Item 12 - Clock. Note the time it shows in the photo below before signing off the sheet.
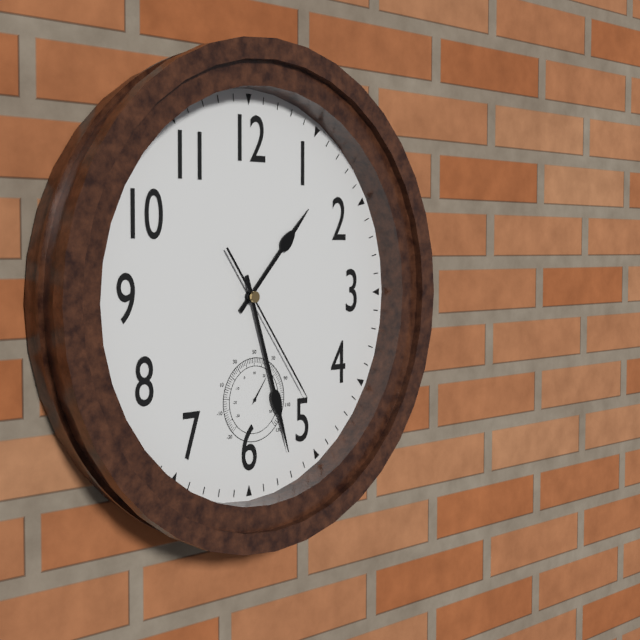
1:27:24
